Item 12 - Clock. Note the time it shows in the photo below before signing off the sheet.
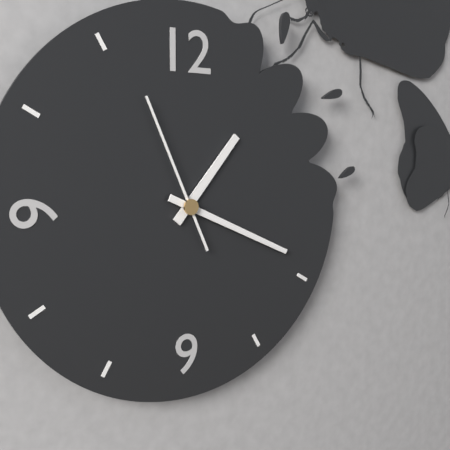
1:19:56
